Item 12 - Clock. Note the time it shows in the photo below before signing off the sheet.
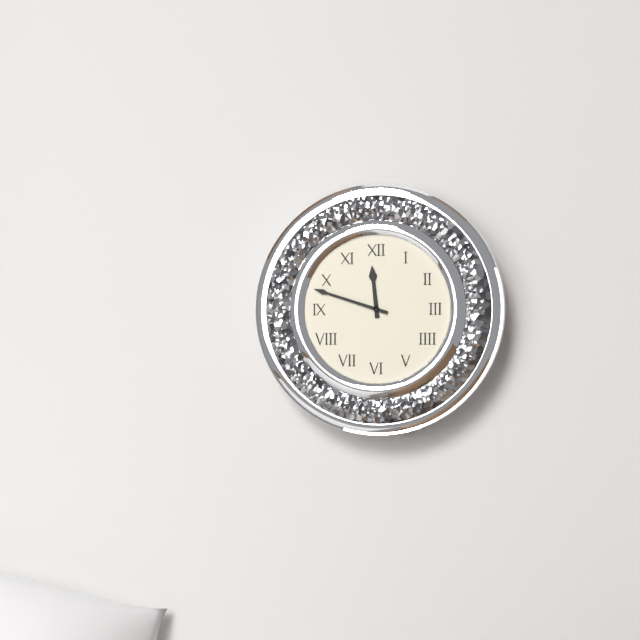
11:48
